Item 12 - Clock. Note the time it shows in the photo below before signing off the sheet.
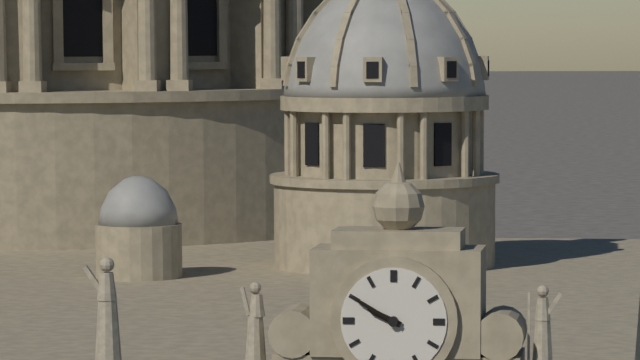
9:50
